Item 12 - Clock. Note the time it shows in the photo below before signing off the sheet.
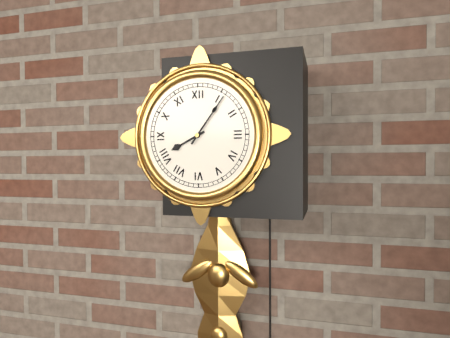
8:06
